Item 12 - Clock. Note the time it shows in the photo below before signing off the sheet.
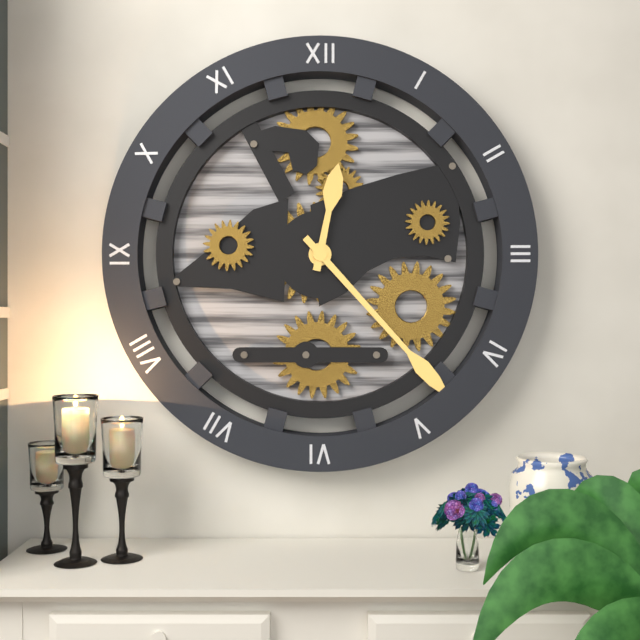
12:23
